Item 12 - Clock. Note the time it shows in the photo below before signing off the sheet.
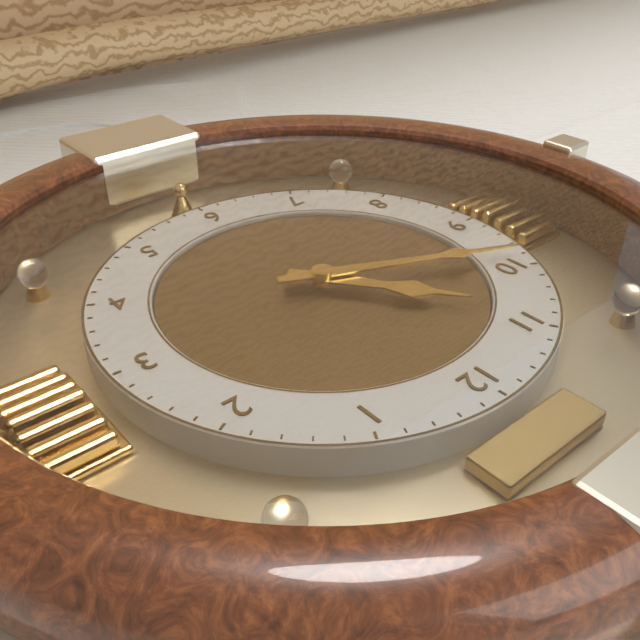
10:49
